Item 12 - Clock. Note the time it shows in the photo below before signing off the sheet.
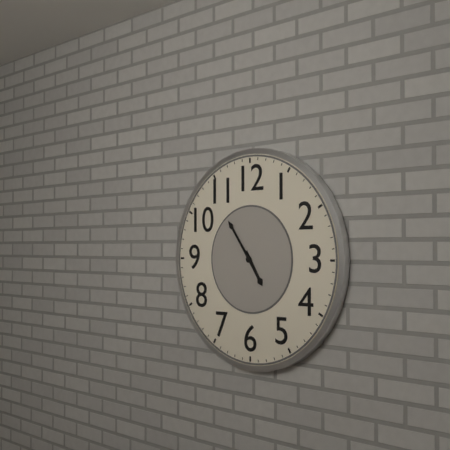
4:54
